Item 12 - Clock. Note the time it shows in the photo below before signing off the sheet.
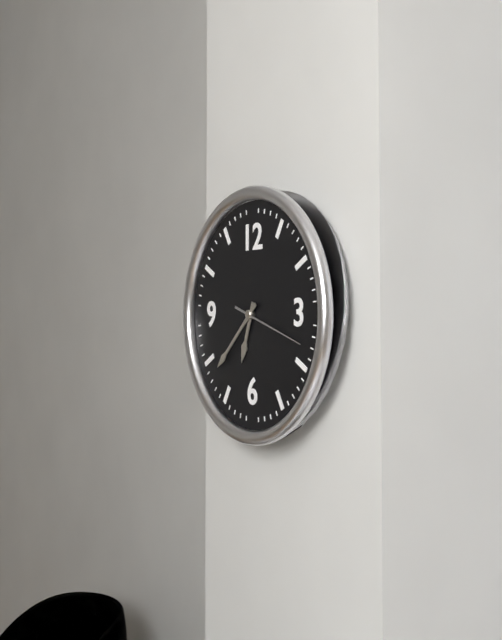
6:38
